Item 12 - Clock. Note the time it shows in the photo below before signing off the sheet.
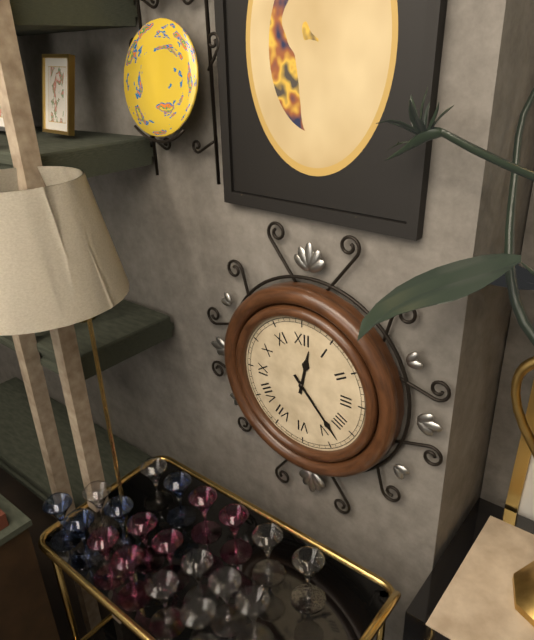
12:23
